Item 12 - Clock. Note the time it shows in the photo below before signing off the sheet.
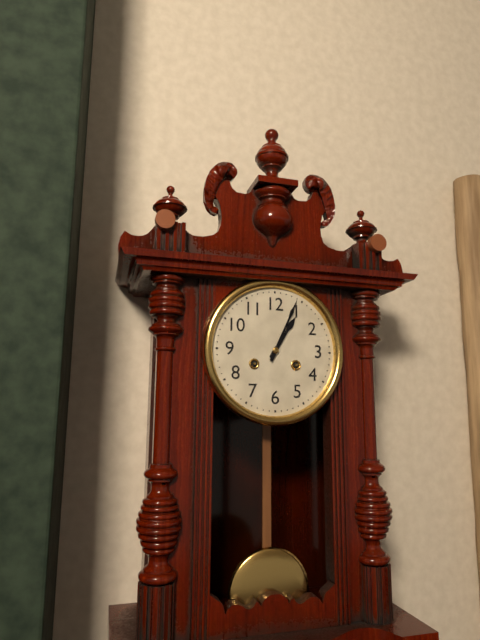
1:04
